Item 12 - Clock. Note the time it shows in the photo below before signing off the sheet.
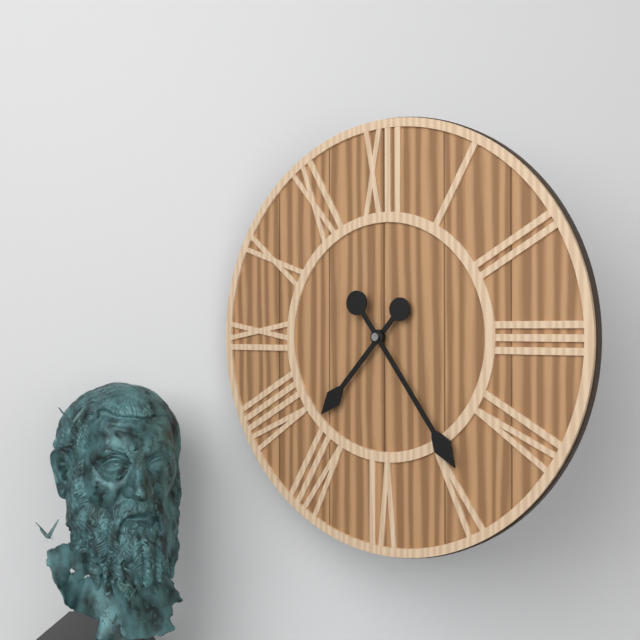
7:24
